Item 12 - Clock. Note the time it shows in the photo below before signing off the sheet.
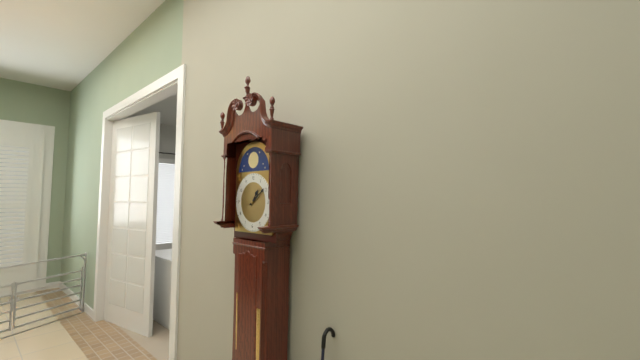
1:09
